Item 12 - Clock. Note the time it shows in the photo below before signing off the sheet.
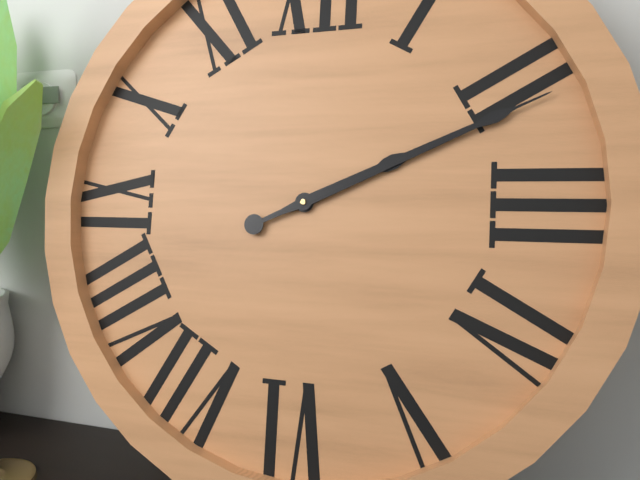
2:11
